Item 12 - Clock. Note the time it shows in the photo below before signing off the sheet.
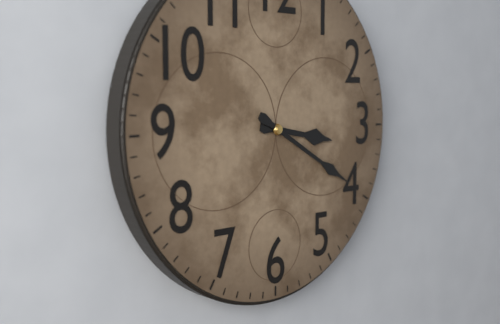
3:20
